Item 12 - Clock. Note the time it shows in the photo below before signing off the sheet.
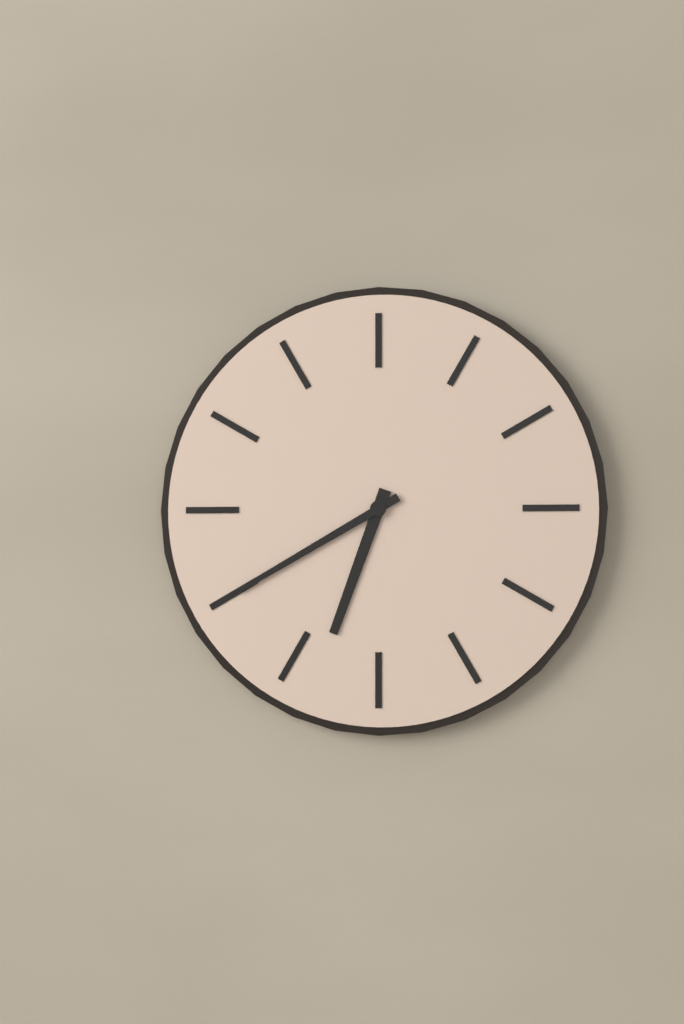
6:40
